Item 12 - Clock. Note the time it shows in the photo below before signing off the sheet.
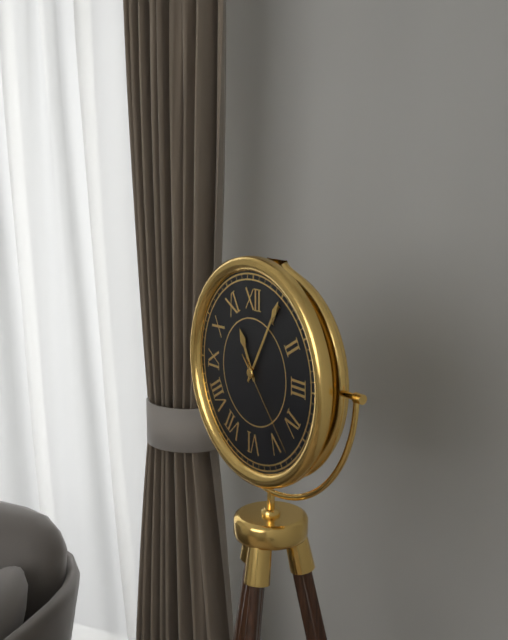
11:05:23
